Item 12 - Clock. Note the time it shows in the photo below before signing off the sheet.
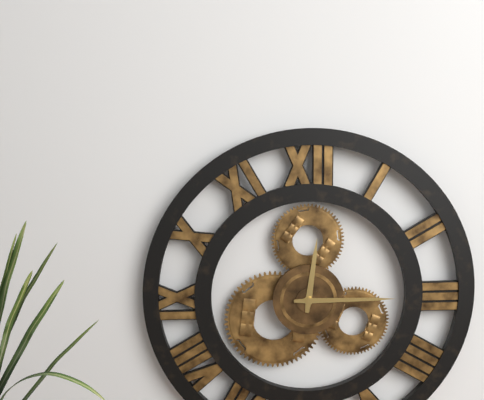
12:15
